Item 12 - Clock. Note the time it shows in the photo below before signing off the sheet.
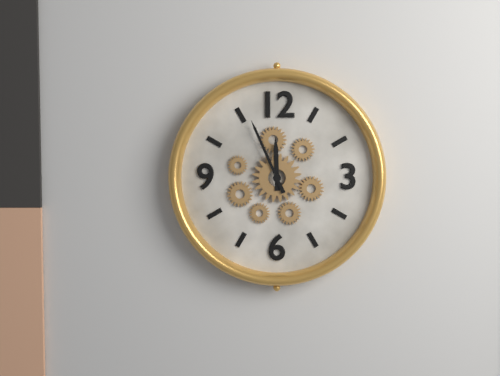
11:56
